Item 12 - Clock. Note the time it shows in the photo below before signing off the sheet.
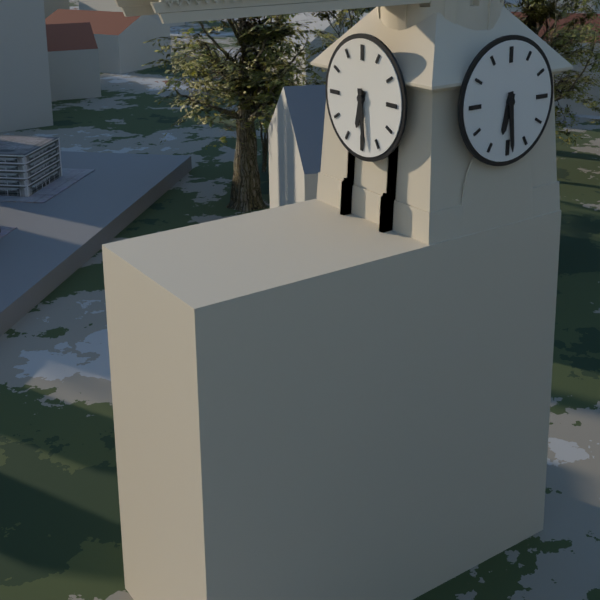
6:29
